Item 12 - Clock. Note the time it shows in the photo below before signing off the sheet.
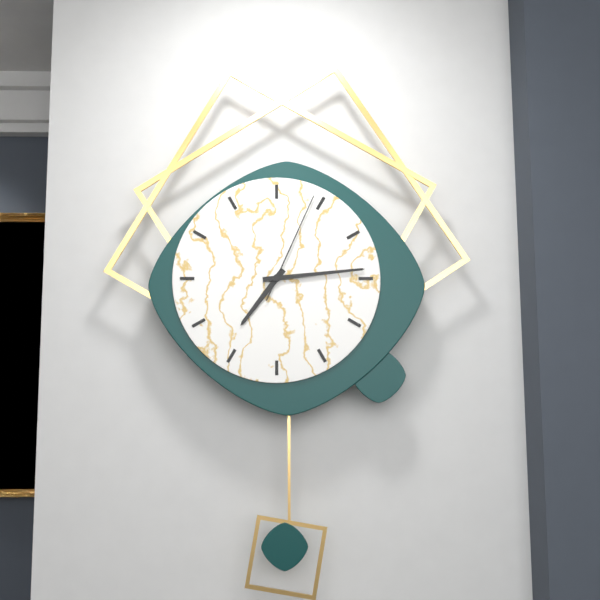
7:14:04
